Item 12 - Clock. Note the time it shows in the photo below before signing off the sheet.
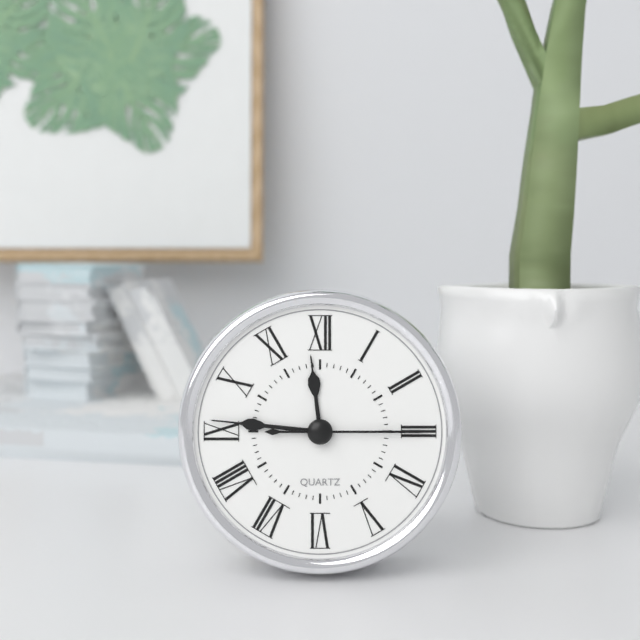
11:46:15
